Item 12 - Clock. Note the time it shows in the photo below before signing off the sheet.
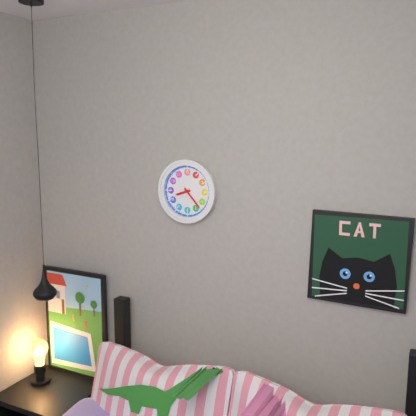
8:23
